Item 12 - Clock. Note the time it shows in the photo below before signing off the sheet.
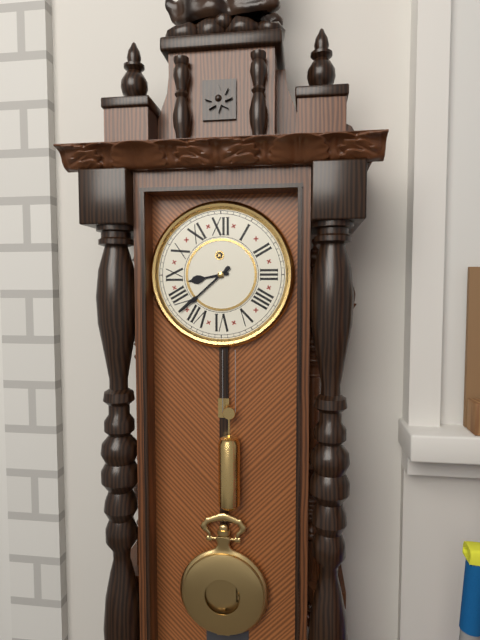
8:38
